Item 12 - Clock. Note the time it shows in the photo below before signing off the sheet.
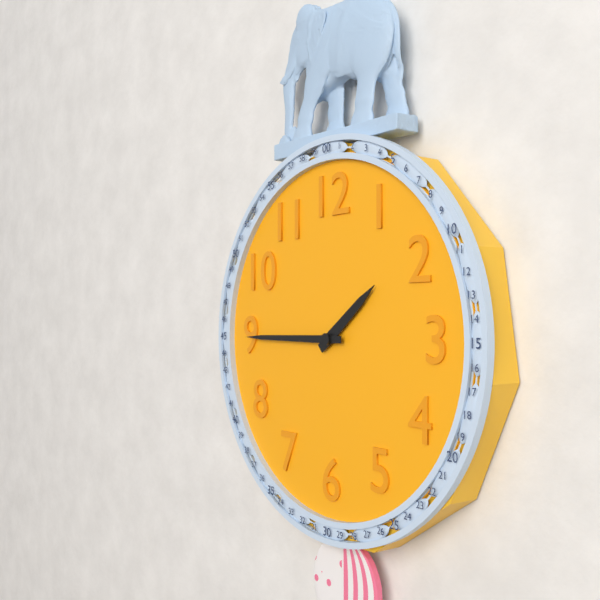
1:45
